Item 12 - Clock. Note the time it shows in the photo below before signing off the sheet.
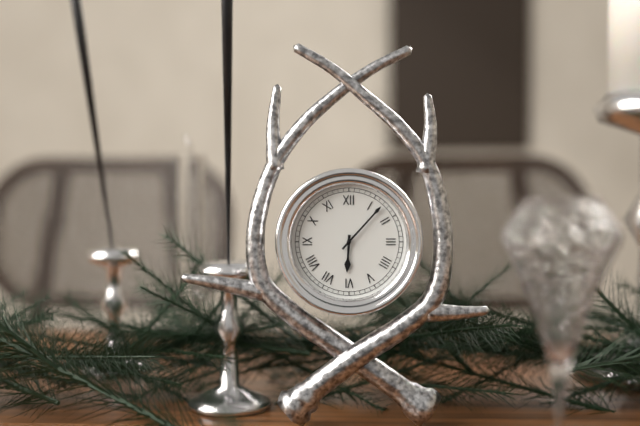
6:07
